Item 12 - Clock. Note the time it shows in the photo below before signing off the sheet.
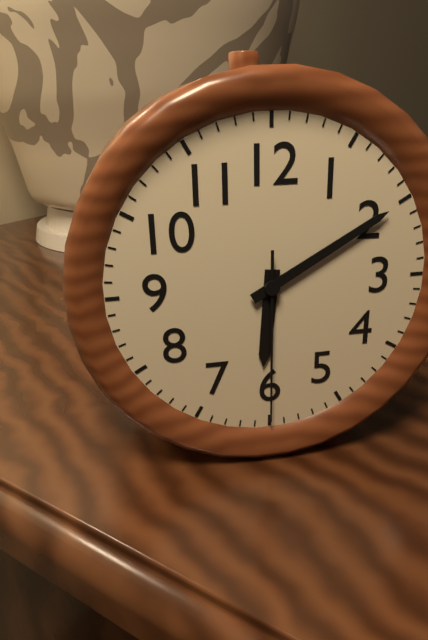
6:10:30
